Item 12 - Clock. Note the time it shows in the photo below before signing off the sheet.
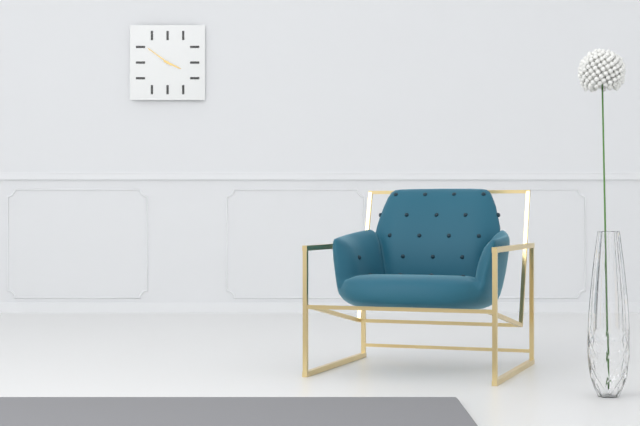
3:51
